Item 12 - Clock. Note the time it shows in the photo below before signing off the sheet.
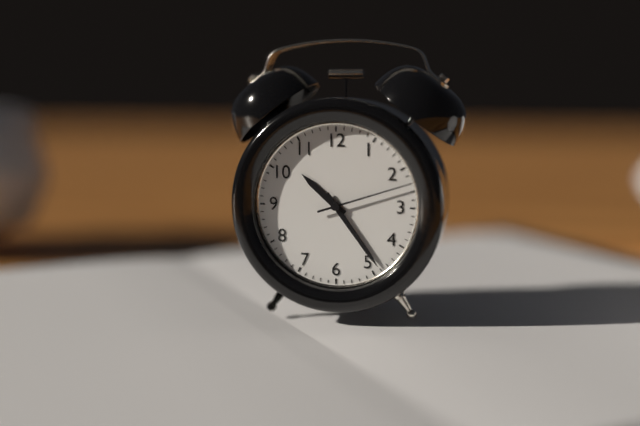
10:24:12
